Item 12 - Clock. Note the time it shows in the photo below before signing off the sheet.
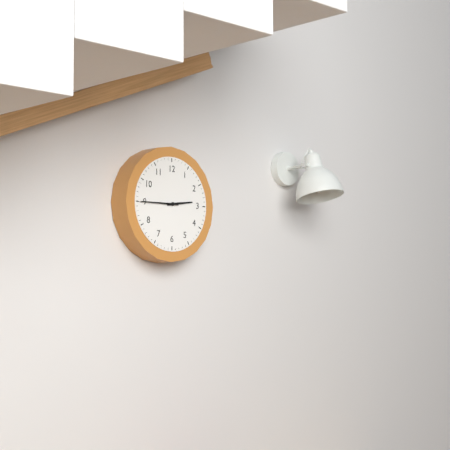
2:45
